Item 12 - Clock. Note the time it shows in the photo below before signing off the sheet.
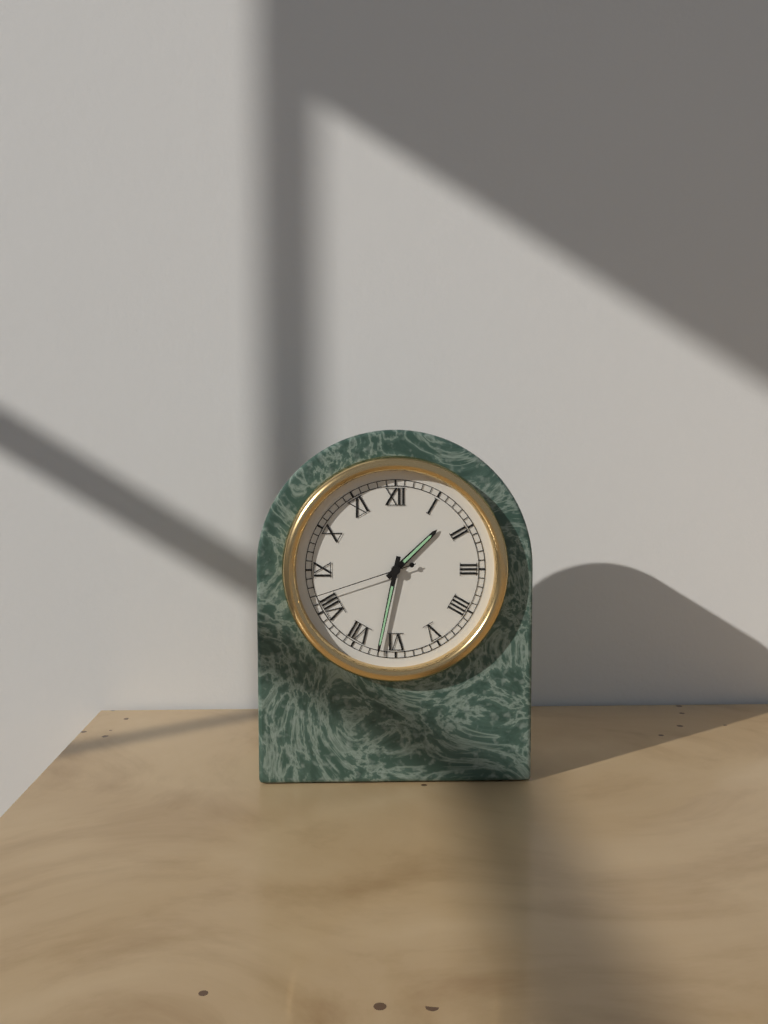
1:32:42
